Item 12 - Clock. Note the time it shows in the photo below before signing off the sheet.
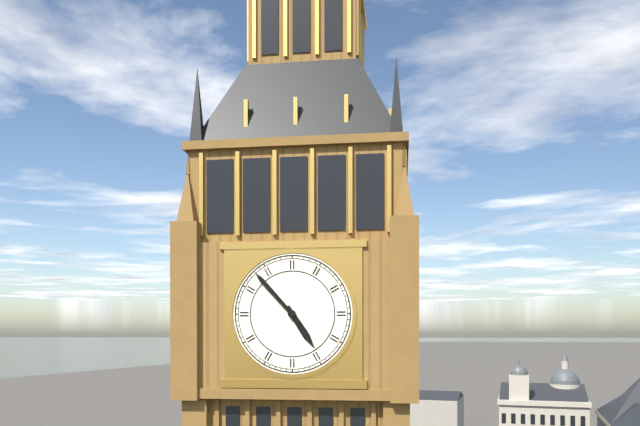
4:53
